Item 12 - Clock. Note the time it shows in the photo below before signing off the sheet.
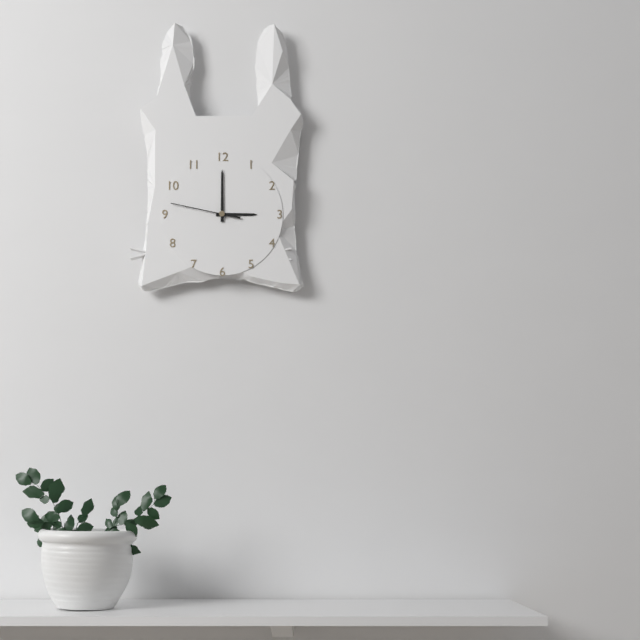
3:00:47
